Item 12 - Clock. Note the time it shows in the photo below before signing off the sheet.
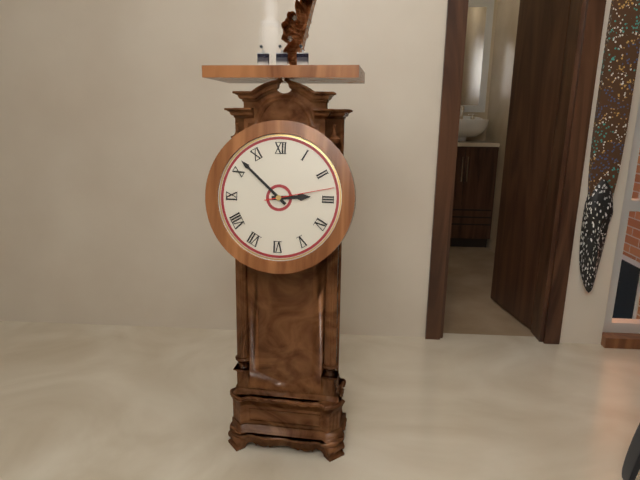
2:52:13
